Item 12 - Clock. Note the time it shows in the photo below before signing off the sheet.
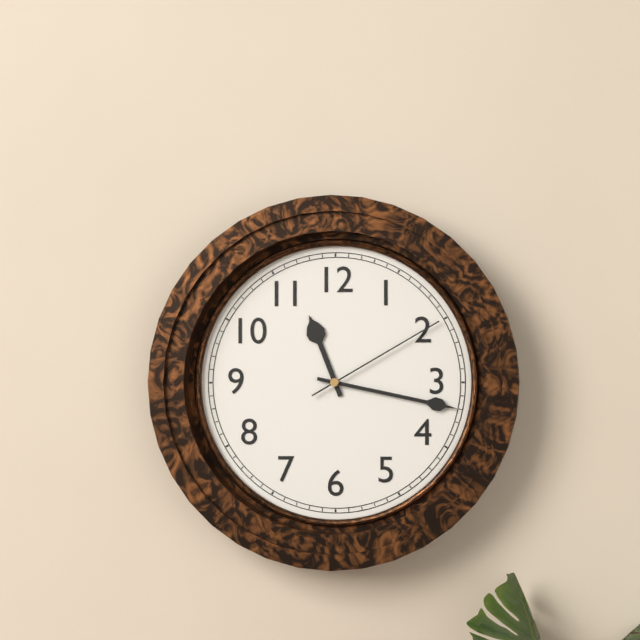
11:17:10
